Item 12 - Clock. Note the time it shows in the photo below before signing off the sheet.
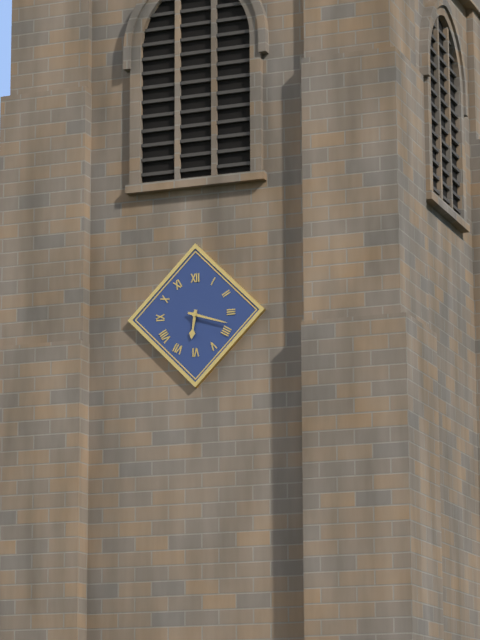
6:18
